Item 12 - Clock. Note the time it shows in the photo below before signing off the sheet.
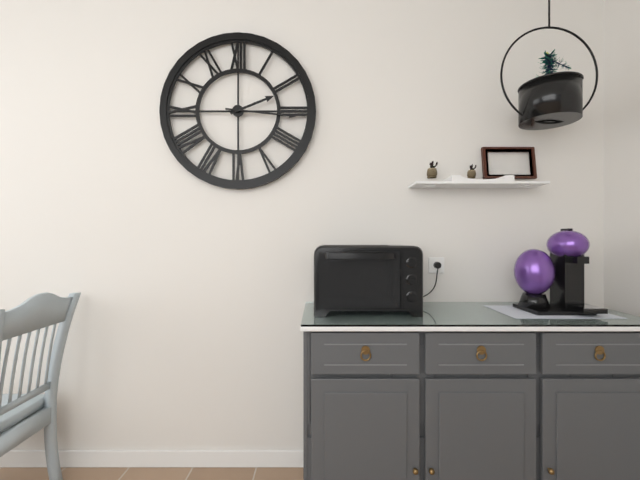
2:16
